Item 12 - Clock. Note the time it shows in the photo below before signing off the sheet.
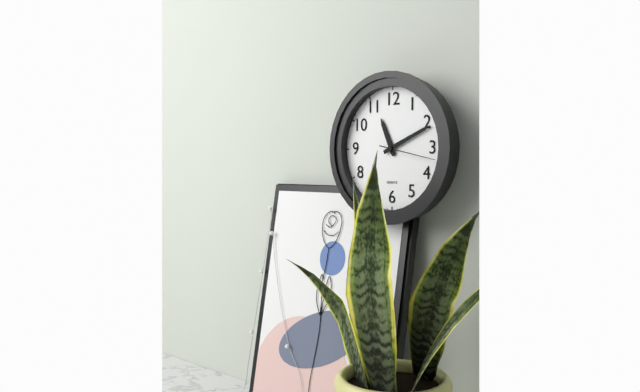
11:11:17
